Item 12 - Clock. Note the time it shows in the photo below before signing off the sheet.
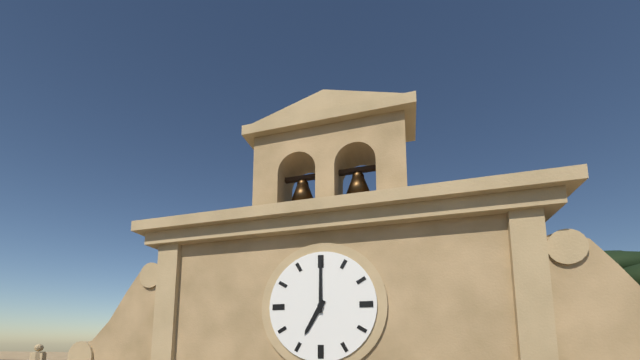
7:00
